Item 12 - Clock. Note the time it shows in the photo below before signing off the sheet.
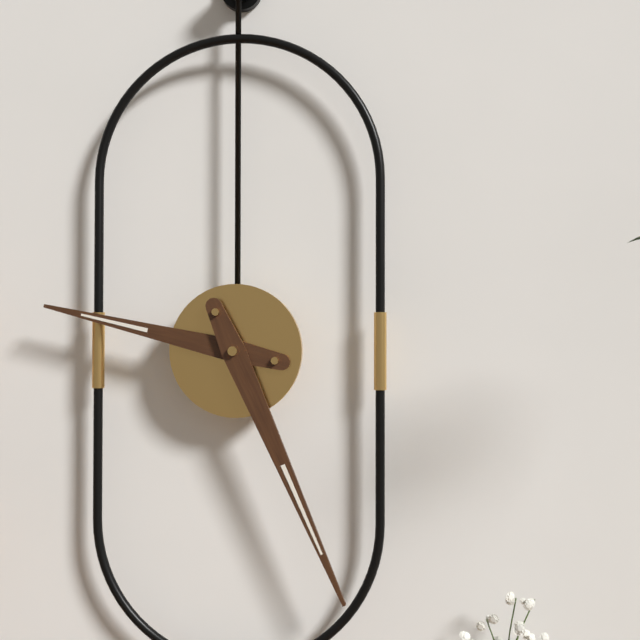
9:26
